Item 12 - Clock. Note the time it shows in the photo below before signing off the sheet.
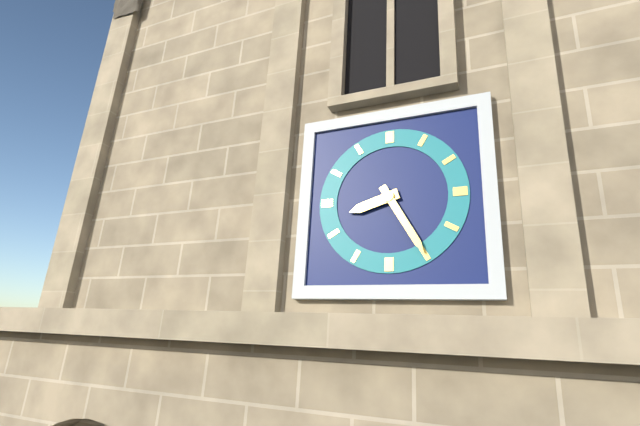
8:25
